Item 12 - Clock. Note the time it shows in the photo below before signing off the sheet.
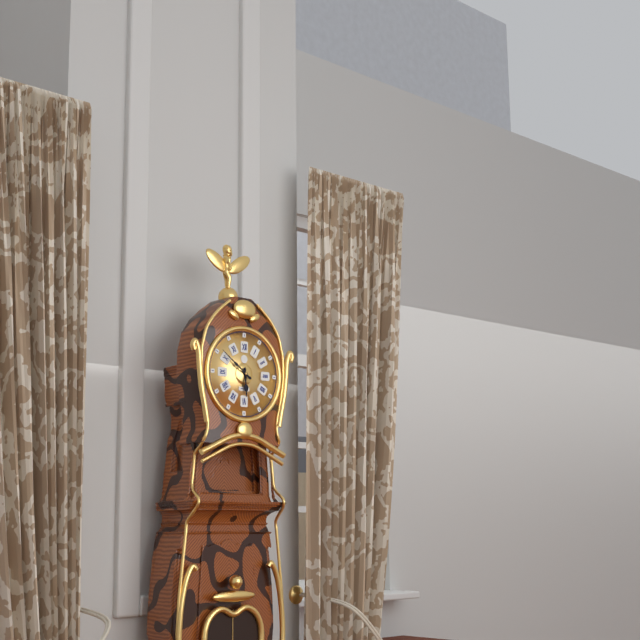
5:51
